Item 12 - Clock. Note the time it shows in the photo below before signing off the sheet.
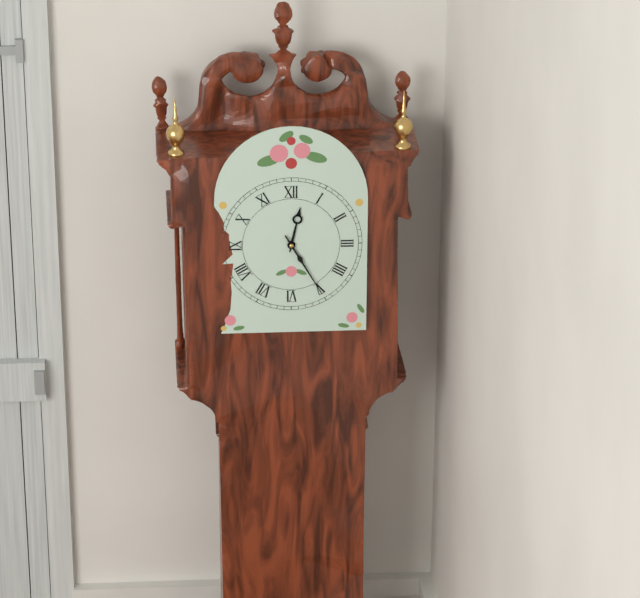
12:25
